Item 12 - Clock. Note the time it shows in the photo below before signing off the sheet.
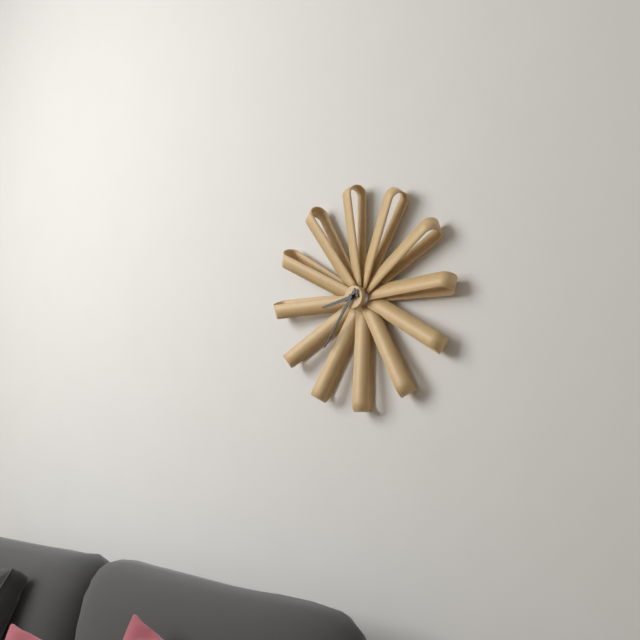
8:36
